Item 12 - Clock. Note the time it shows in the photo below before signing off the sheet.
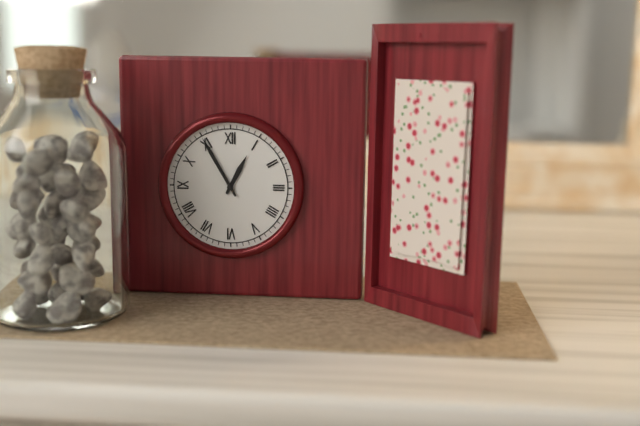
12:55
